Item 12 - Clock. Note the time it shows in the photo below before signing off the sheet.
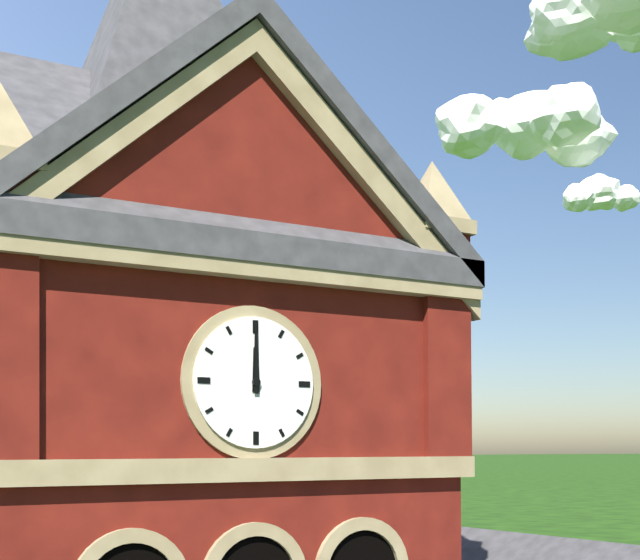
12:00
